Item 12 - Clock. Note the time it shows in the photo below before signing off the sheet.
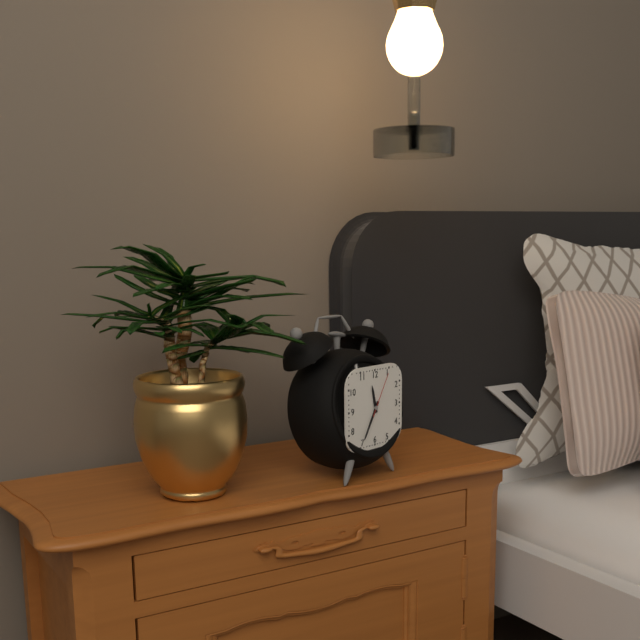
11:35
